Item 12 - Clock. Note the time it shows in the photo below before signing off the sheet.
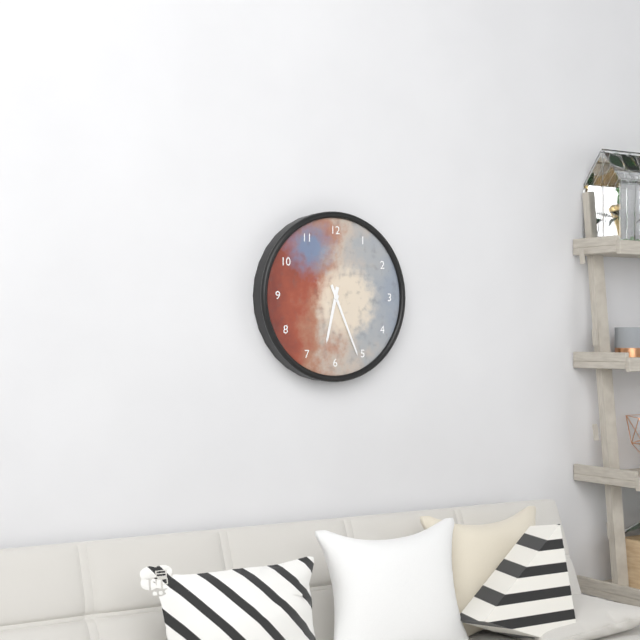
6:26
